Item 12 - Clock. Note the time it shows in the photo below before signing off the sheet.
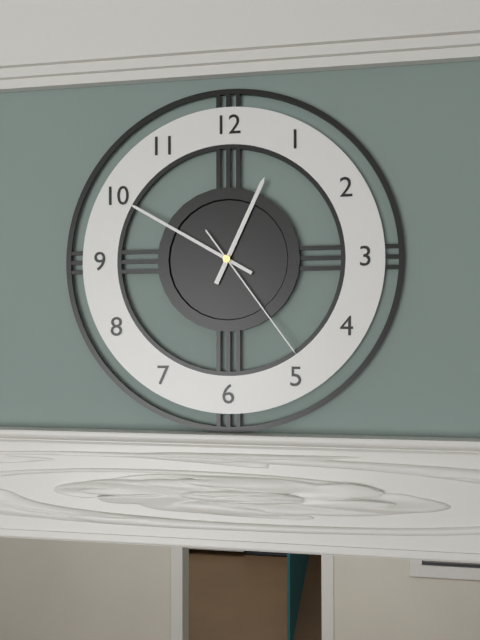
12:50:24
